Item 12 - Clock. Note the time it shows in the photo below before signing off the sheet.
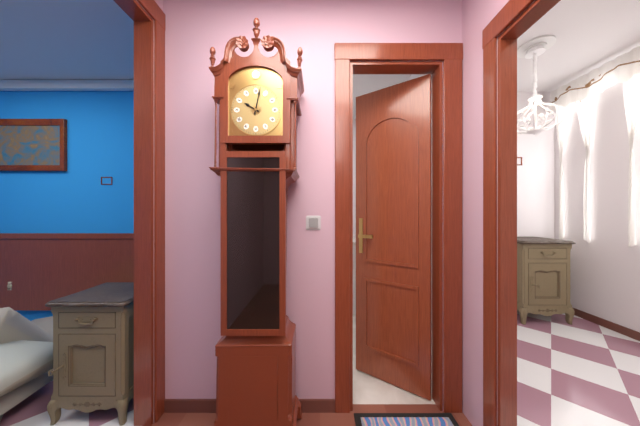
10:02
